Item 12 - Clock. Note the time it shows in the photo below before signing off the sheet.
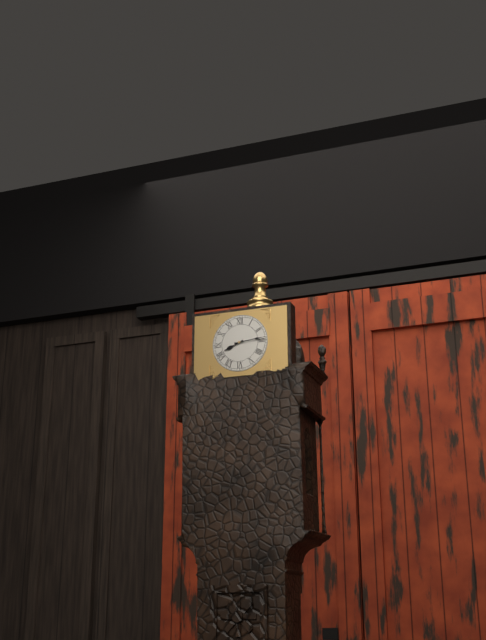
8:14
